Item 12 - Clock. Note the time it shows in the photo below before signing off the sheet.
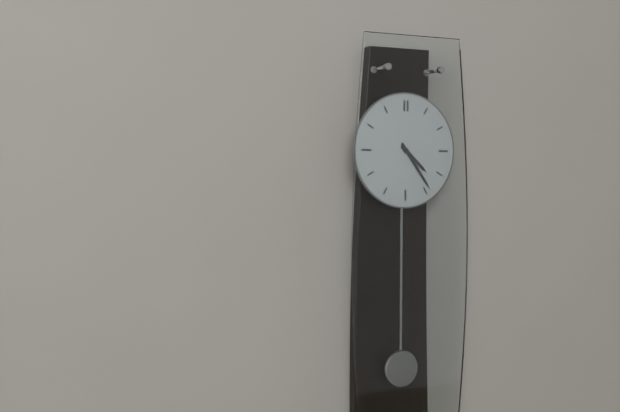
4:24
